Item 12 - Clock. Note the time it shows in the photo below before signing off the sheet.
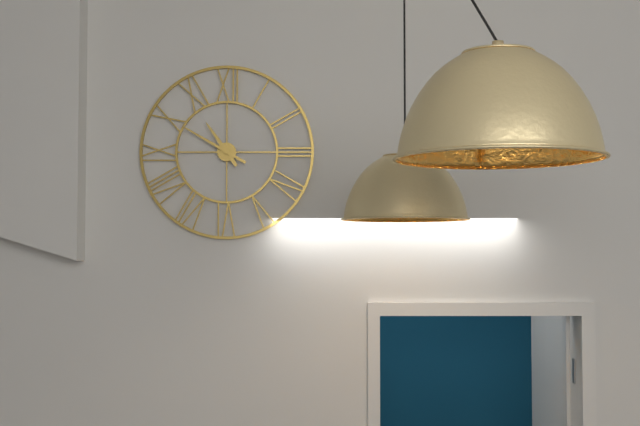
10:50
